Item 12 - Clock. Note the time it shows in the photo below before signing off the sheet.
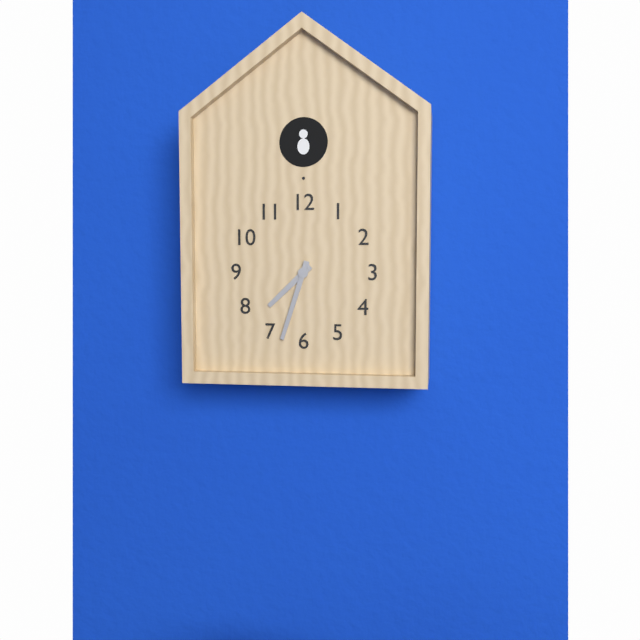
7:33
